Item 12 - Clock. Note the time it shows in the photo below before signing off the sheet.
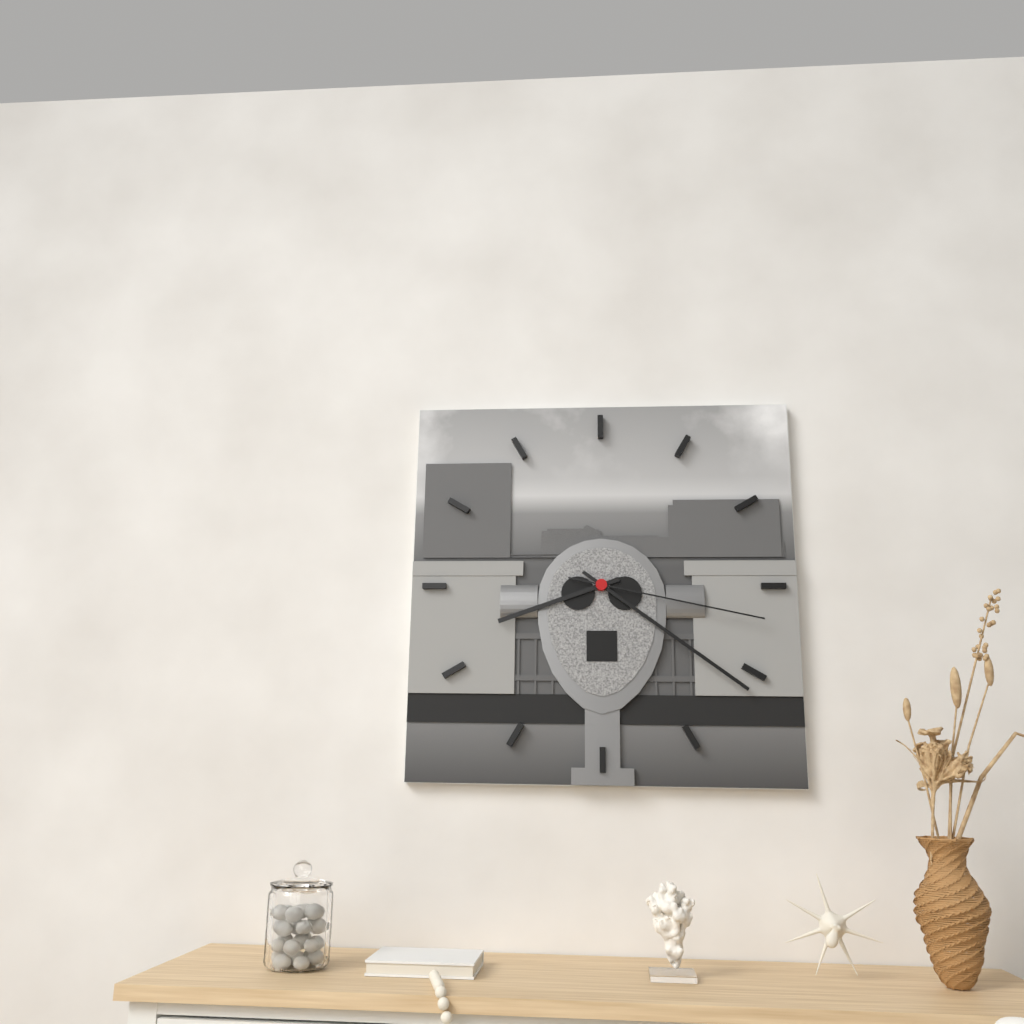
8:21:17
